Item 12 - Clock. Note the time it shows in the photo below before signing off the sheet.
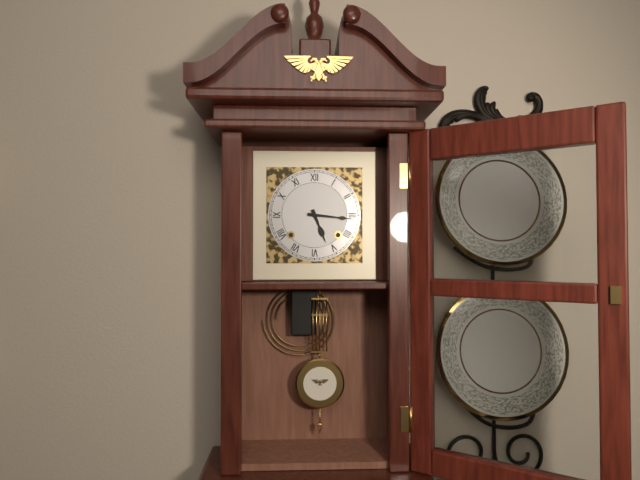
5:16
